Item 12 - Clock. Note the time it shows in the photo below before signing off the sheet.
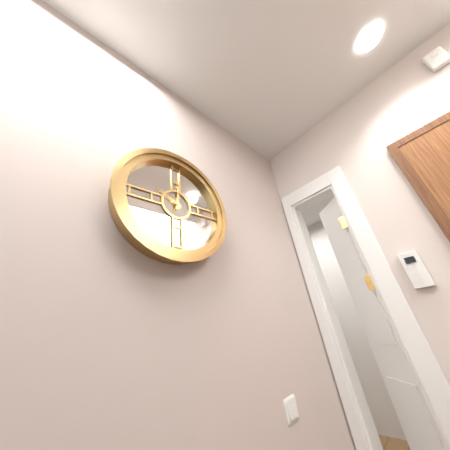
10:01
